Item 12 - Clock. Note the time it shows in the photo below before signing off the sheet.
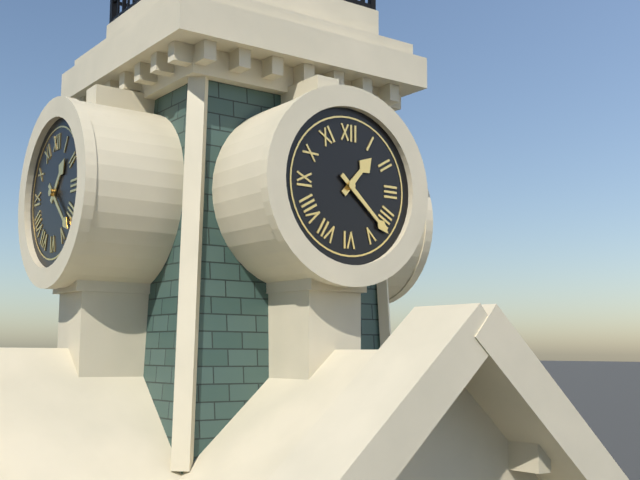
1:22
